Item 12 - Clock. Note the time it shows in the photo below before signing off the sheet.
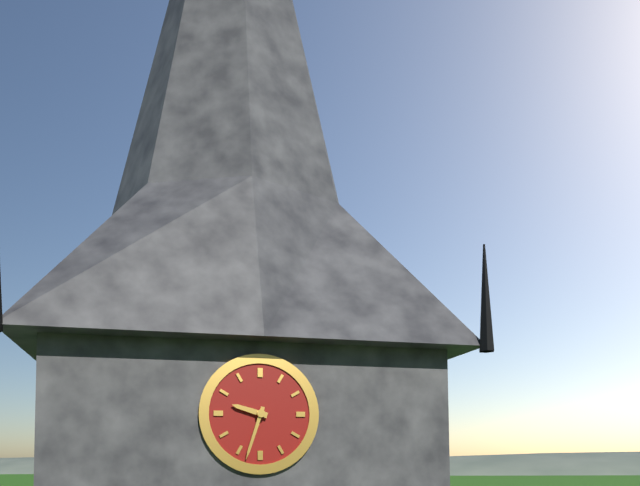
9:33
